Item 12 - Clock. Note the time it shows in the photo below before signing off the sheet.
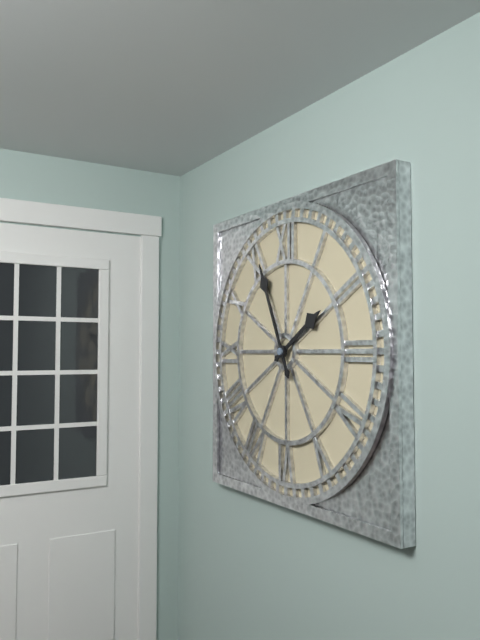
1:56
